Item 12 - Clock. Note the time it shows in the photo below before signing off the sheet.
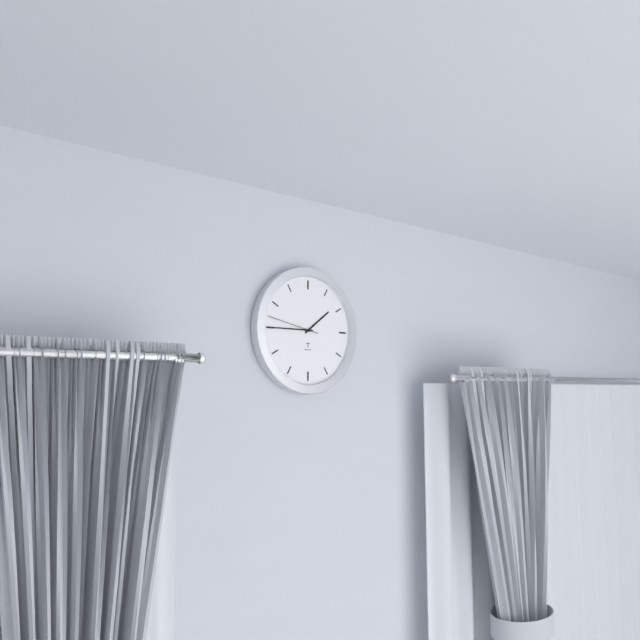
1:45:47
